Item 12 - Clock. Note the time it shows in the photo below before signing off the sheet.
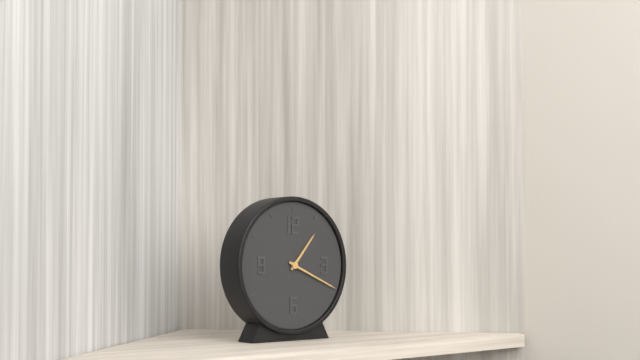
1:19
